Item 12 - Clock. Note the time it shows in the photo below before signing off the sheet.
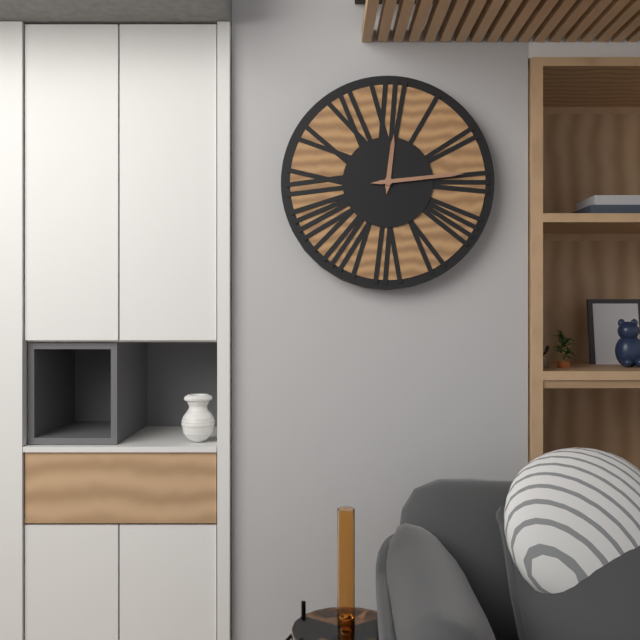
12:14
